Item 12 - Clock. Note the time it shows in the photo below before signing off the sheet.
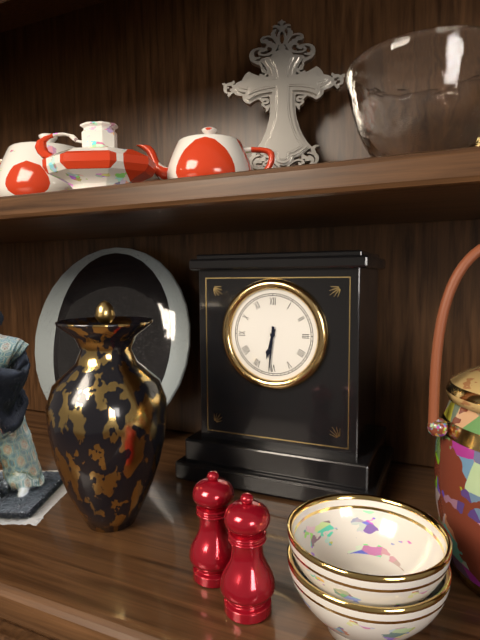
6:31
